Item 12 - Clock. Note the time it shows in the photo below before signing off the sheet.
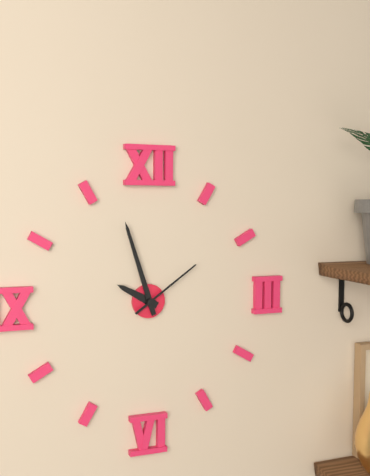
9:57:09
